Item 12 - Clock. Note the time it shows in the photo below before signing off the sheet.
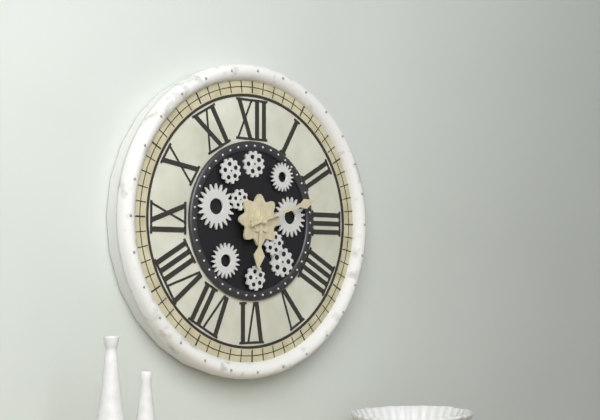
6:12
